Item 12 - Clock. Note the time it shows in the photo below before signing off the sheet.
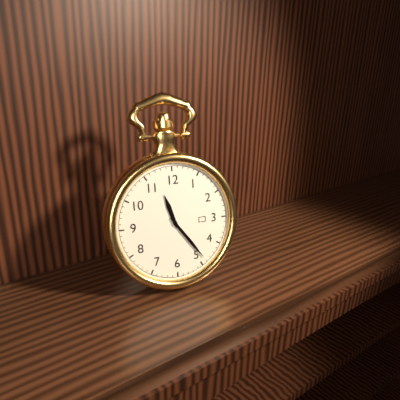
11:24
